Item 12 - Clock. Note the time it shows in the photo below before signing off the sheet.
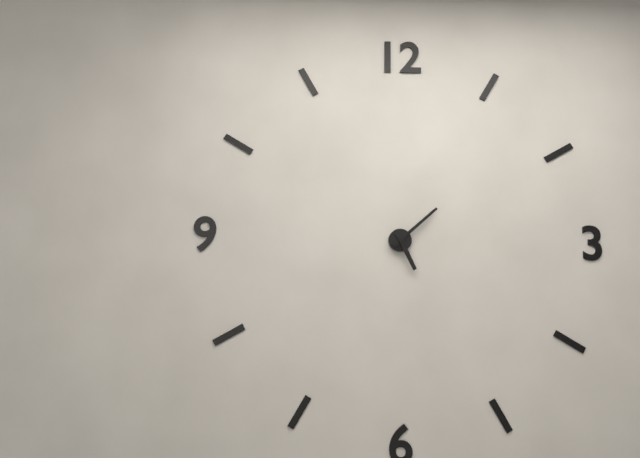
5:08
